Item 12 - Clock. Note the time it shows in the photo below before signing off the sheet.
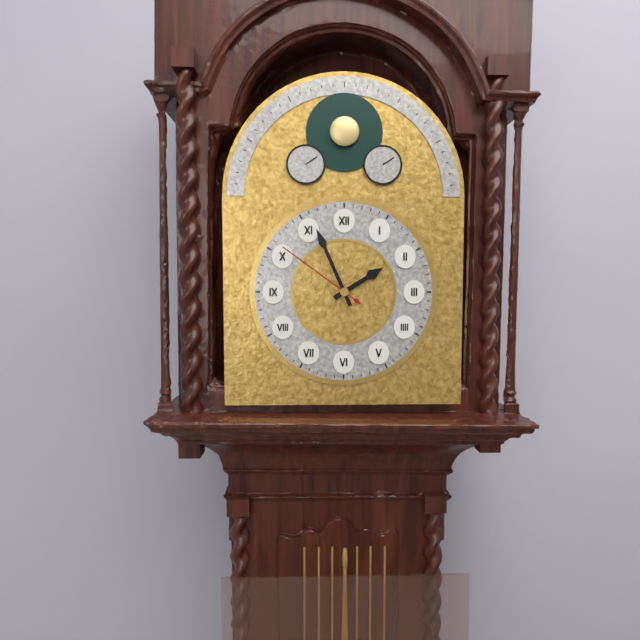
1:56:51
